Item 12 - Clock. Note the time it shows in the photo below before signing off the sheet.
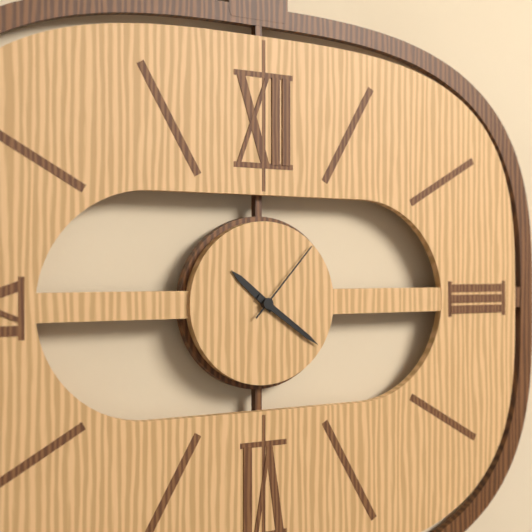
10:21:07
